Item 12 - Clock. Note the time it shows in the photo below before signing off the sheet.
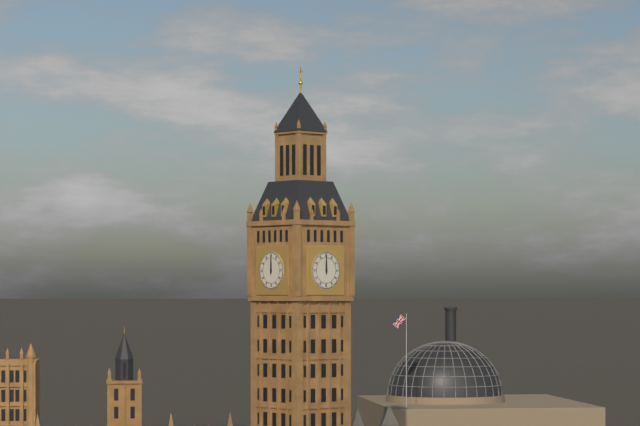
12:00
